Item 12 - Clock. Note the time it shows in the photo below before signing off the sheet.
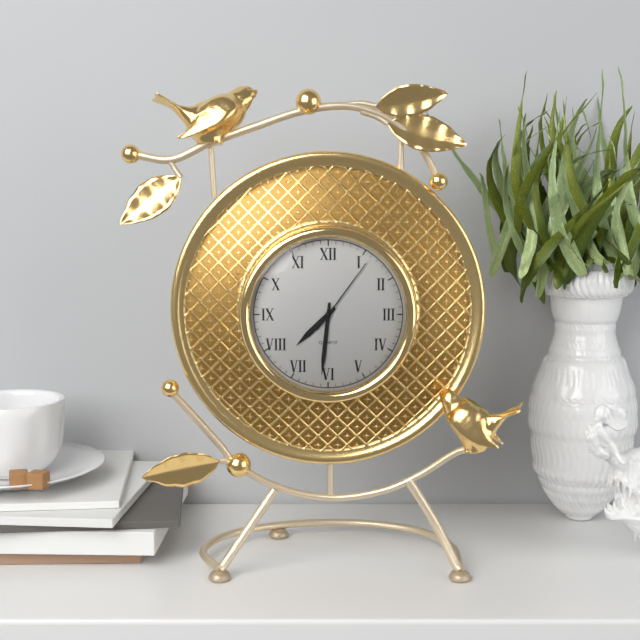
7:31:06
